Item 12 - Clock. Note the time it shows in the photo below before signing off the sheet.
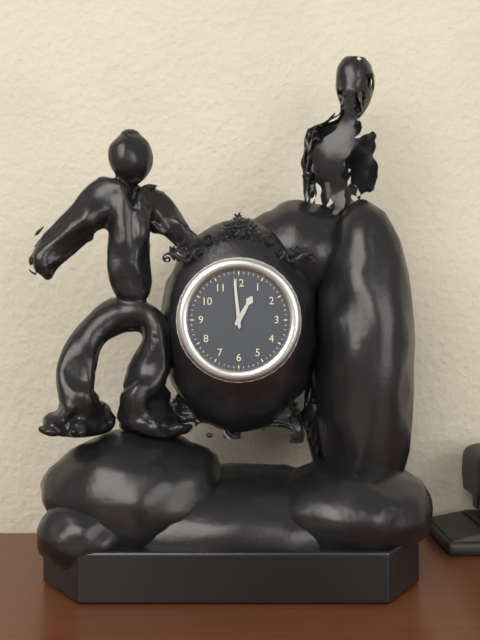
12:59
